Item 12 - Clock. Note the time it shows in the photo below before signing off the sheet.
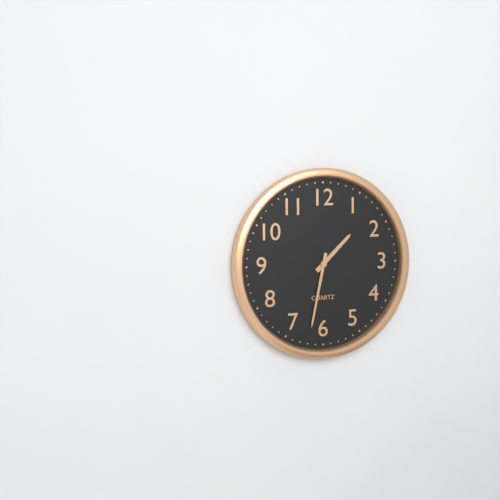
1:32
